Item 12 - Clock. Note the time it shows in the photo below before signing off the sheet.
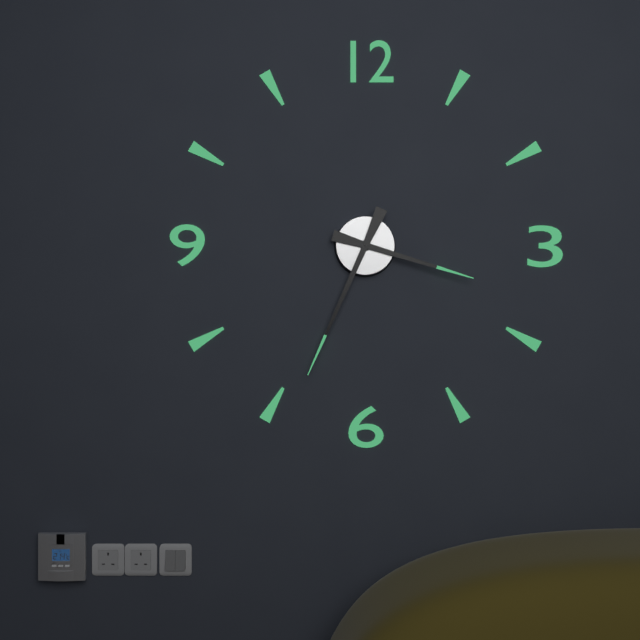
3:34
